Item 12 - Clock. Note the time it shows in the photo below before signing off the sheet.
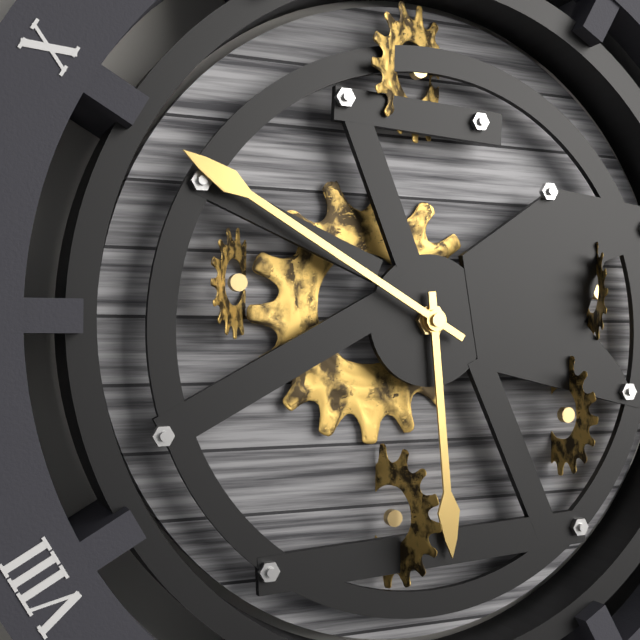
5:50
